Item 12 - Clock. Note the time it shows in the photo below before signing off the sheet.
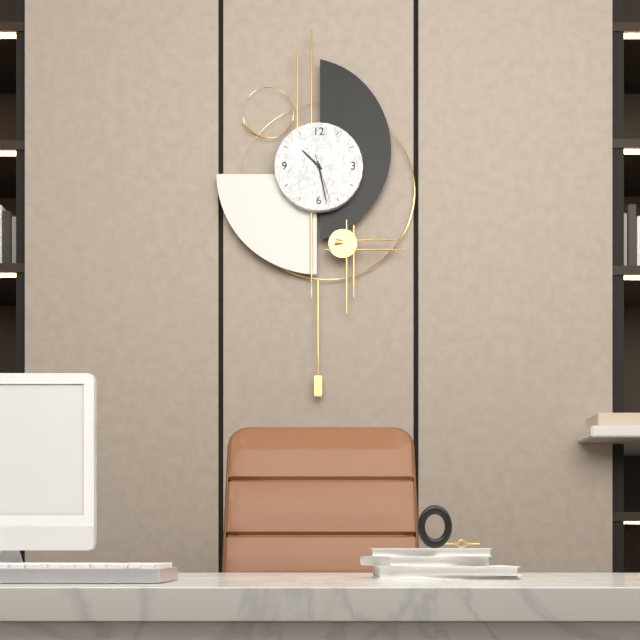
10:28
